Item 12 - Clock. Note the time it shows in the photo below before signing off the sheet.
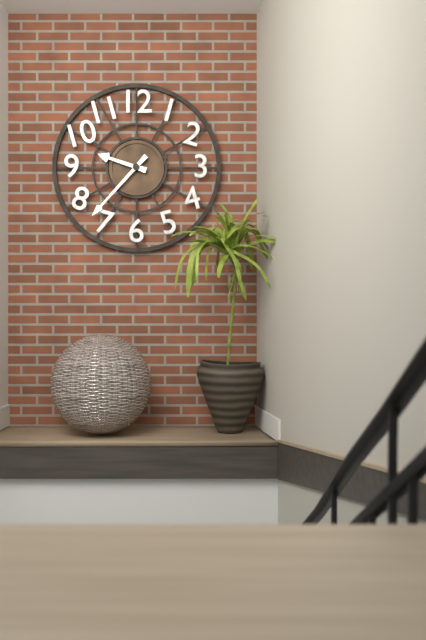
9:37
